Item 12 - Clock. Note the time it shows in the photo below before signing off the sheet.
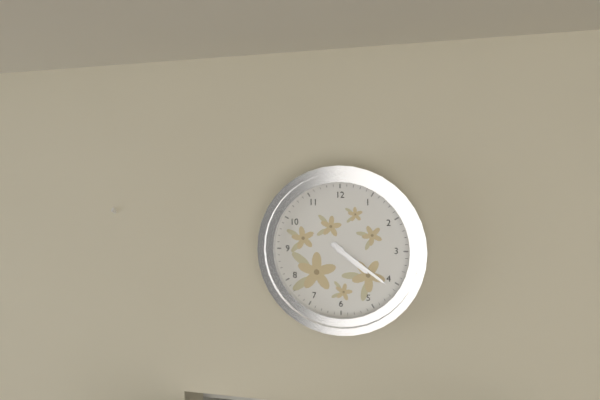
4:21
